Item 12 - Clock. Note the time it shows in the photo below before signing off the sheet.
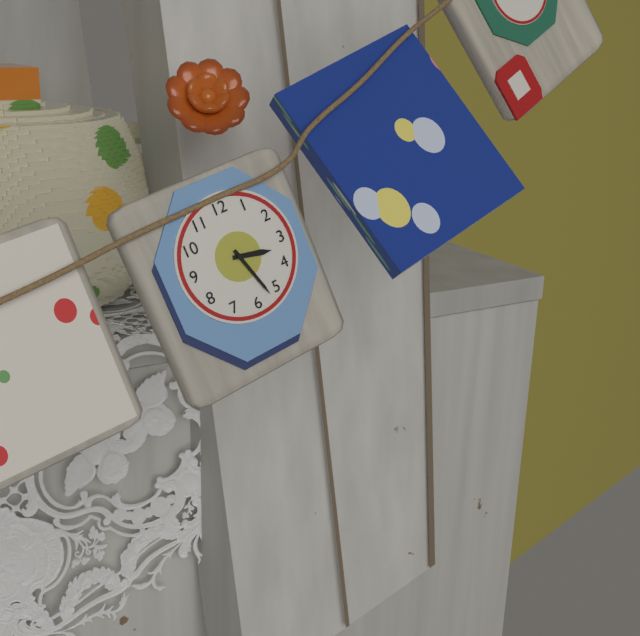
3:27
